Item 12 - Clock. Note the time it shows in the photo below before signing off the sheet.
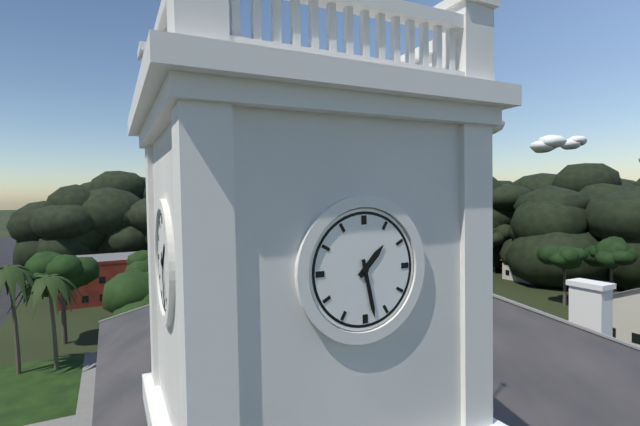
1:28
